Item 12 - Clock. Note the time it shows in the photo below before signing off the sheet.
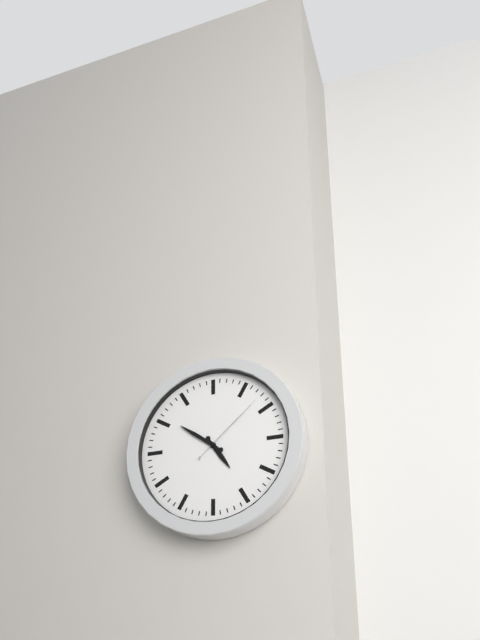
4:51:08
